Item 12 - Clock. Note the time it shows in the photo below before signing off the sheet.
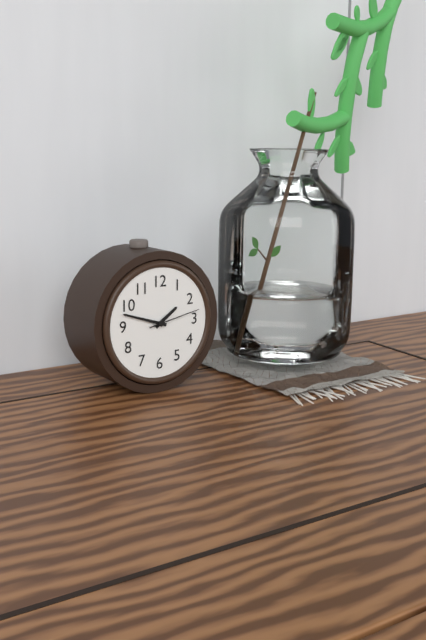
1:48:13
